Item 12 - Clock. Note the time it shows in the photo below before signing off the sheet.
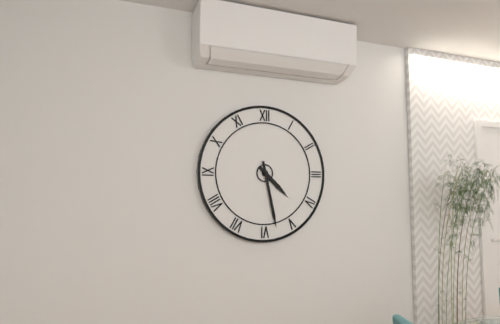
4:28
